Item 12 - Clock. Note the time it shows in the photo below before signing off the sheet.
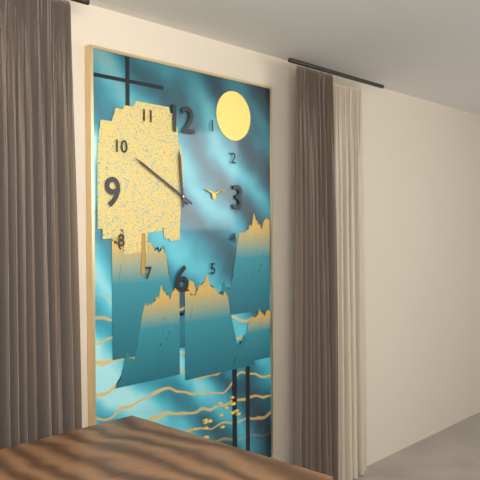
11:50
